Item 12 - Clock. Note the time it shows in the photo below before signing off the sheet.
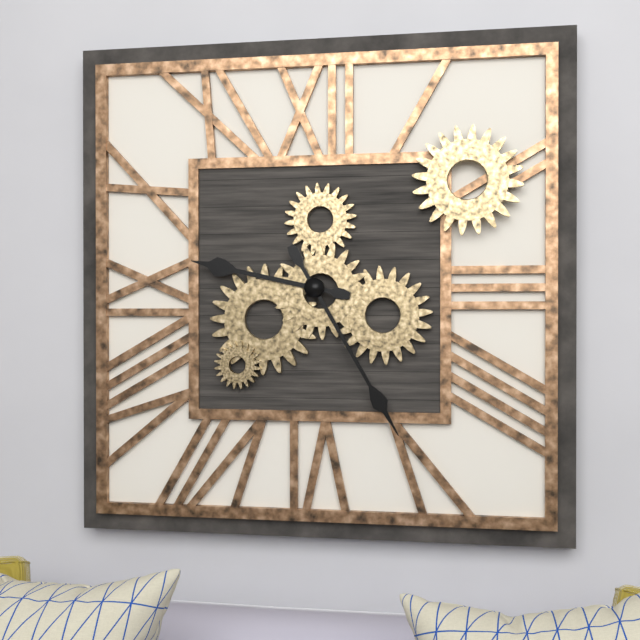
9:25
